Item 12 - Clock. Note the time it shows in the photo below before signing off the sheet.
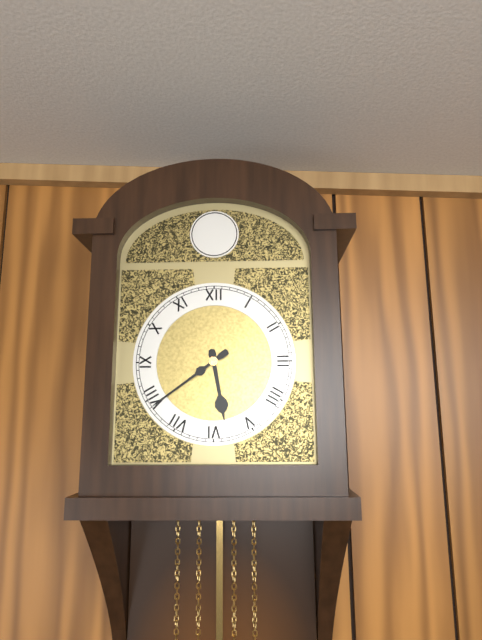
5:39
